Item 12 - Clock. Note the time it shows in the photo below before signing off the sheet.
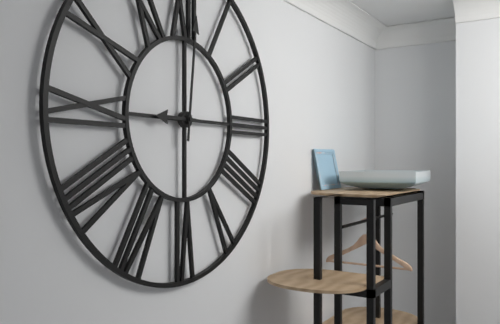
9:01
